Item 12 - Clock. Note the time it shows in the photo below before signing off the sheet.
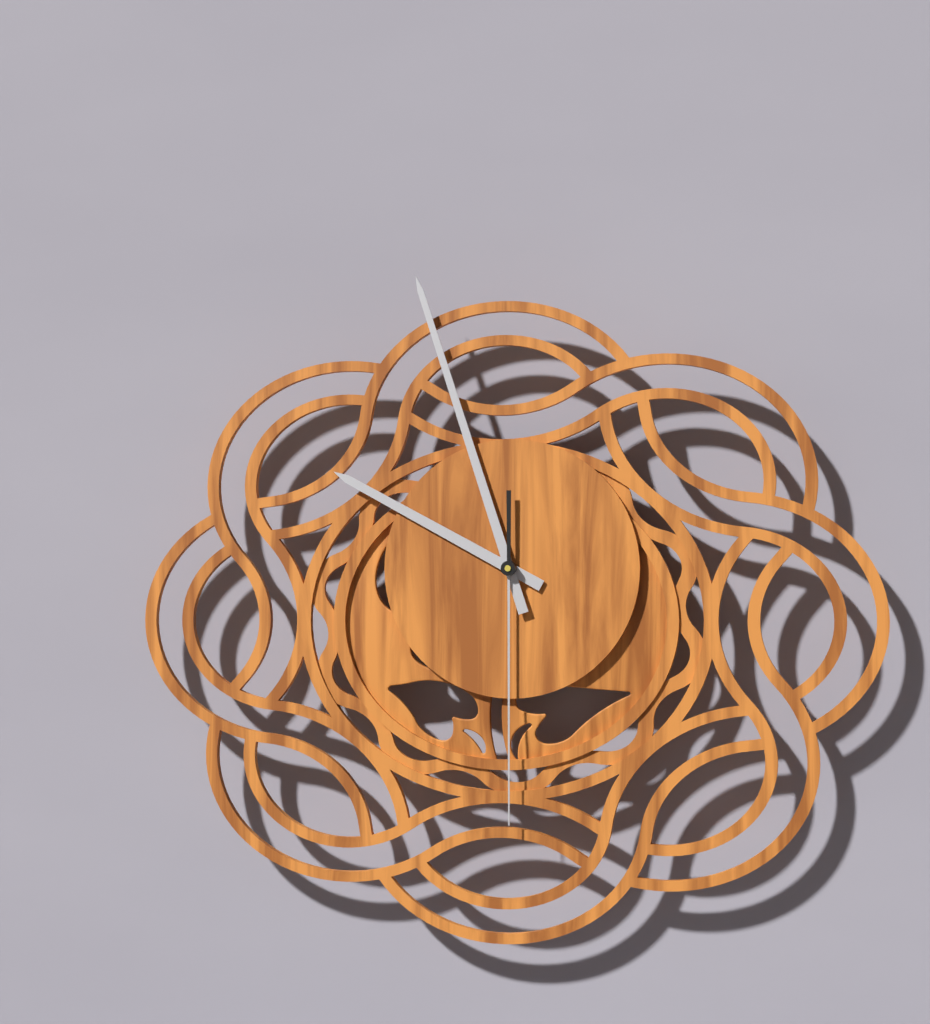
9:57:30
